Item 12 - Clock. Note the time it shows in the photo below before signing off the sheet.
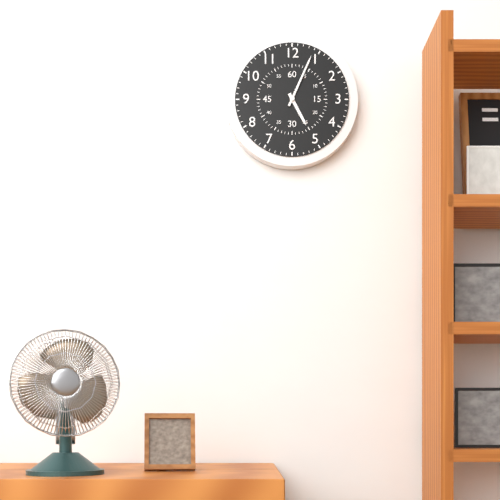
5:04
